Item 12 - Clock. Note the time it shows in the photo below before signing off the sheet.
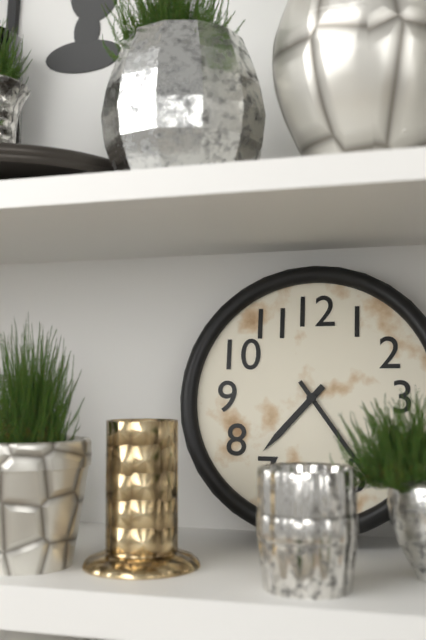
7:24
